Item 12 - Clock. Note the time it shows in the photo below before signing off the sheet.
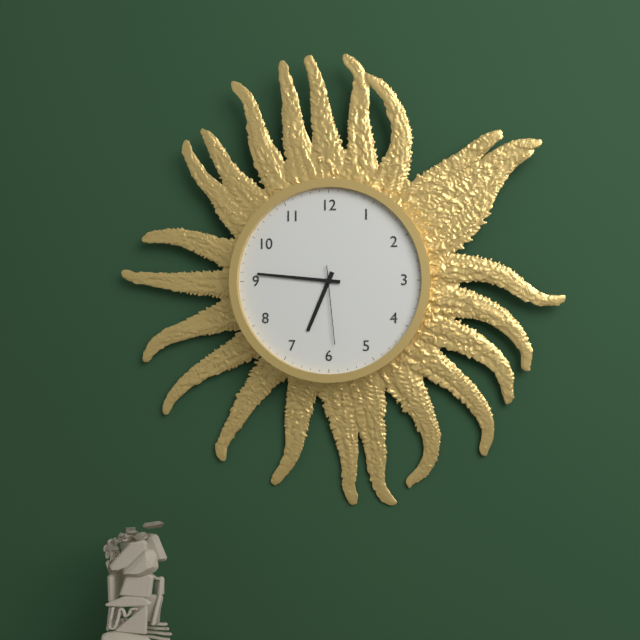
6:46:29
